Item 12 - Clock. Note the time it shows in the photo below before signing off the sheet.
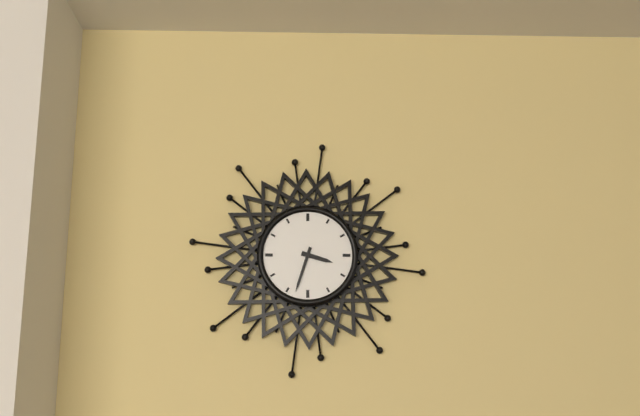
3:33
